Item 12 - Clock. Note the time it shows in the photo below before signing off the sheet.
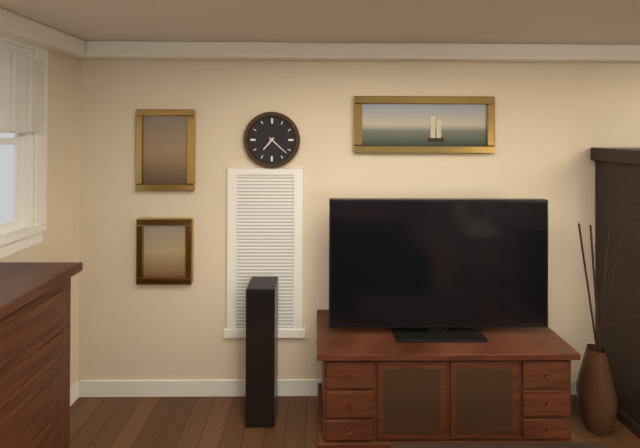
7:22
